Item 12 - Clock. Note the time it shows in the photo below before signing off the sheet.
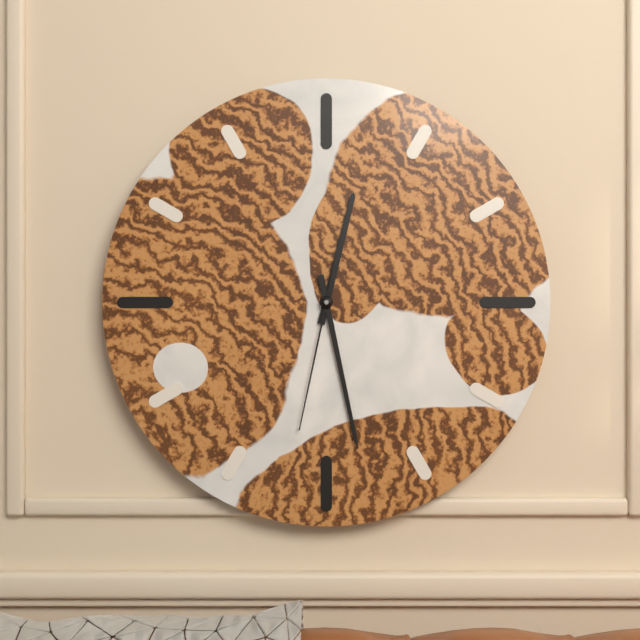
12:28:32
